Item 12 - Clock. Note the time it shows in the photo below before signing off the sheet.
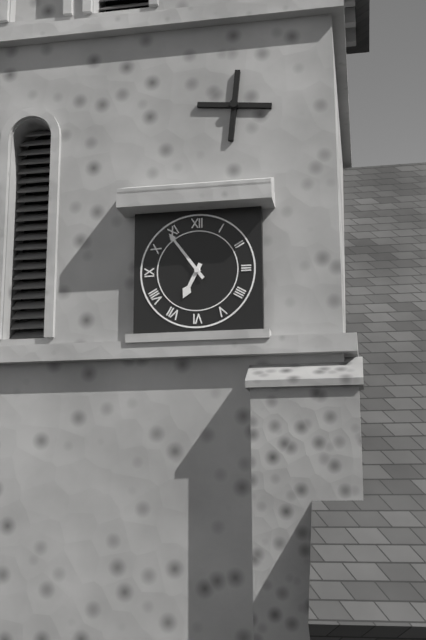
6:54
